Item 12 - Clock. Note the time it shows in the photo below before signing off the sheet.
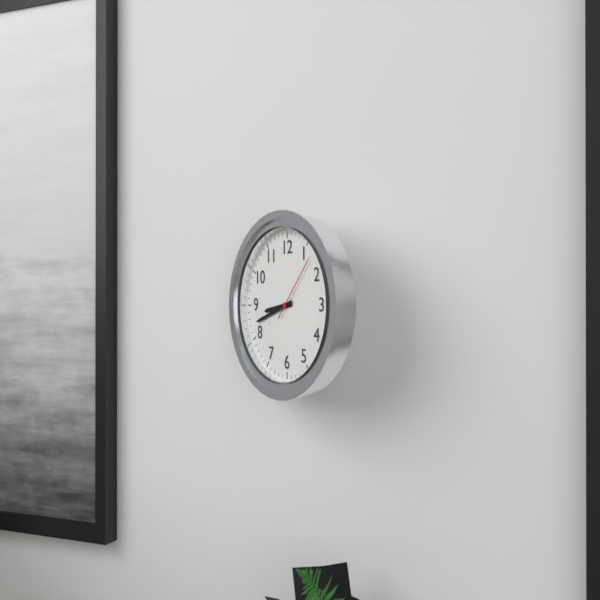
8:42:07
